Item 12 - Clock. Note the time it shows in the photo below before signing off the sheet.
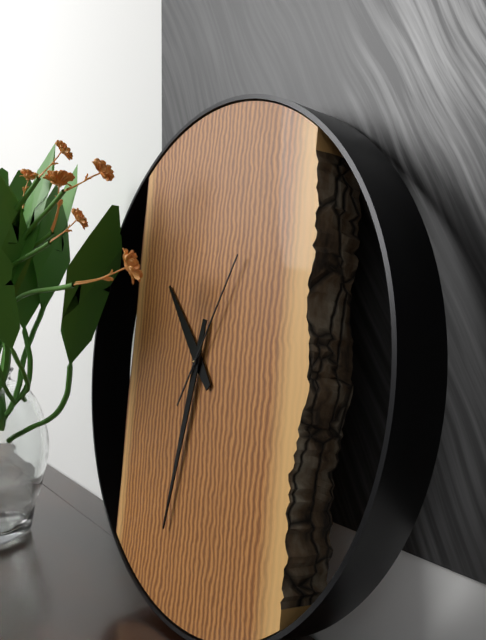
10:32:05
